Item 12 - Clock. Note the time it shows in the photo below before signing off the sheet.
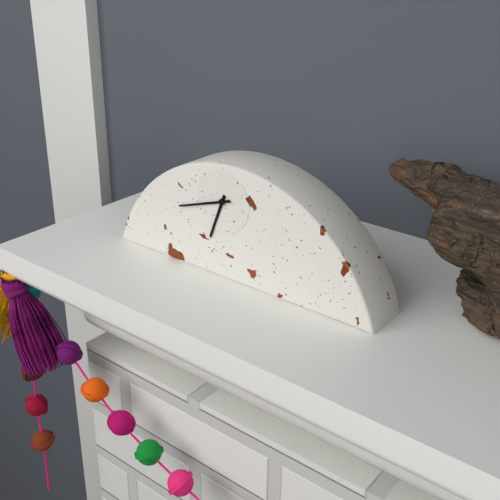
6:42
